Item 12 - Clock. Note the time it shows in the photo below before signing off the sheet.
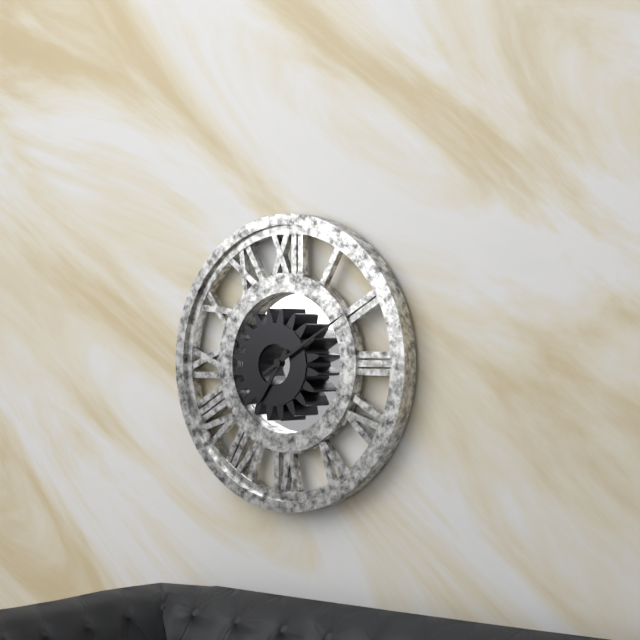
7:10
